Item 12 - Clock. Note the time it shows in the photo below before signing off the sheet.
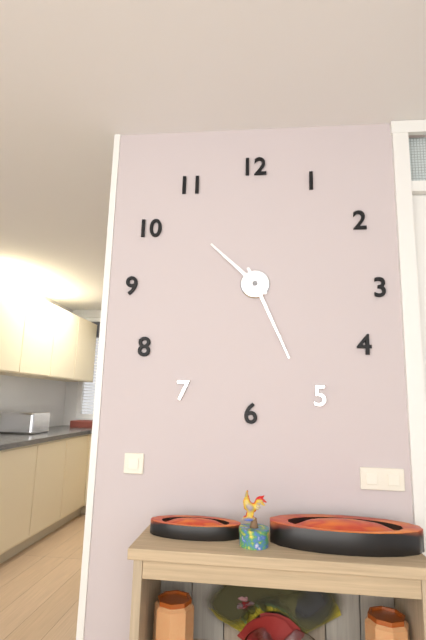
10:26
